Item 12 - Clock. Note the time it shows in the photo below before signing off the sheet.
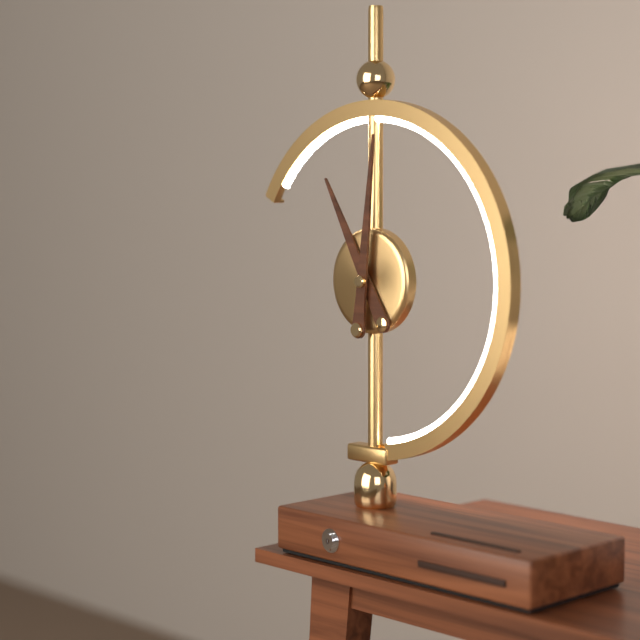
11:01
